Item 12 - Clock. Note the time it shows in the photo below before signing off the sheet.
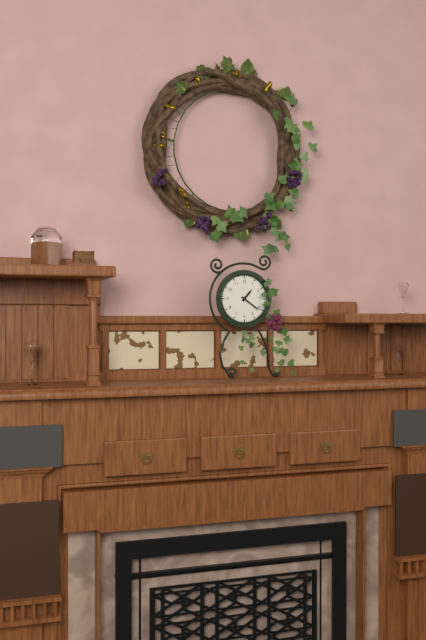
1:21
